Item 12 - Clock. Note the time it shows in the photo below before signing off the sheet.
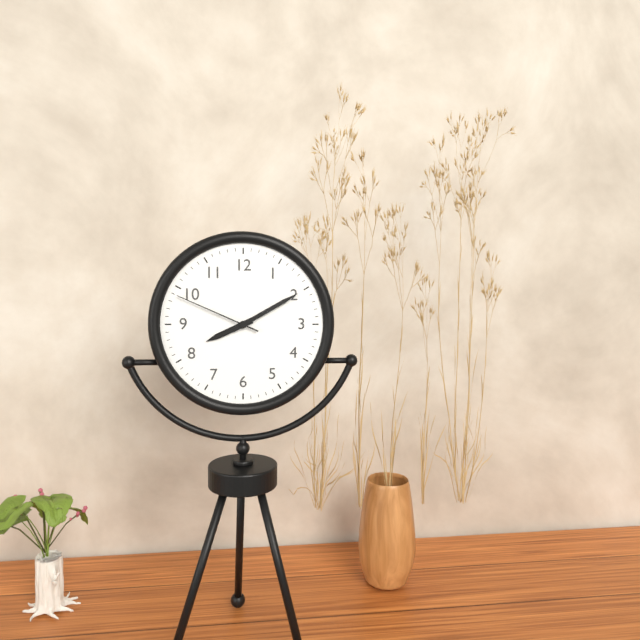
8:10:49
